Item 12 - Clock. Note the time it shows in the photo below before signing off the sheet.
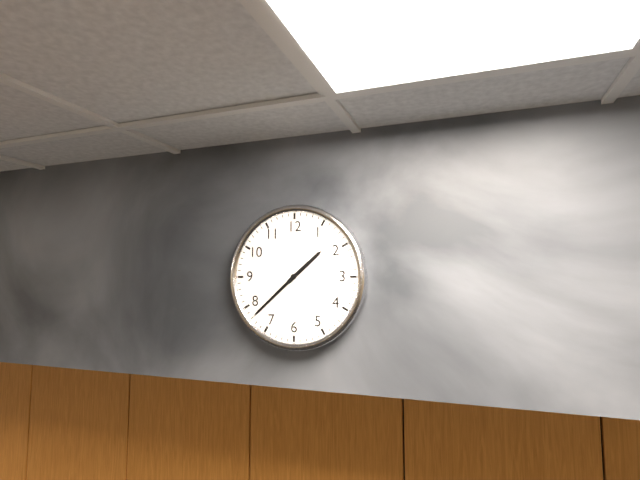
1:38
